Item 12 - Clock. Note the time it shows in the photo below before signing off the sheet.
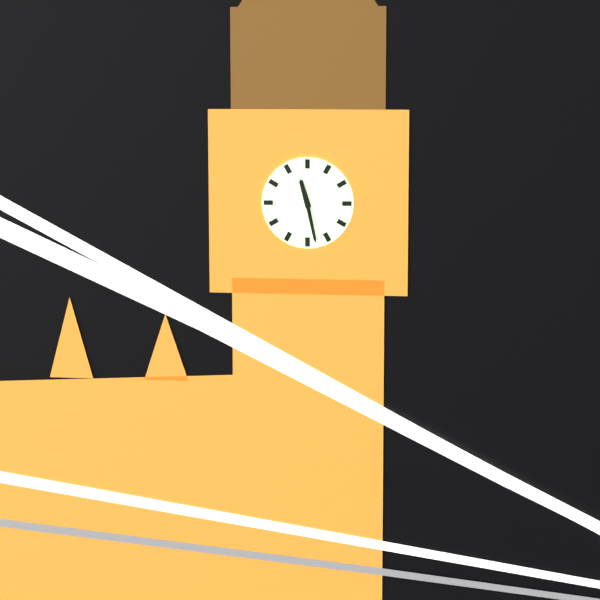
11:28
